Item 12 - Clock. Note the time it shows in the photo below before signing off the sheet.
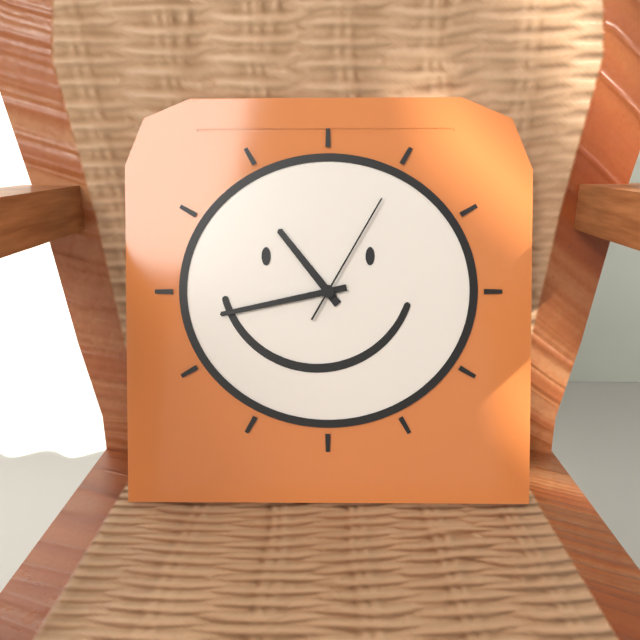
10:43:05
